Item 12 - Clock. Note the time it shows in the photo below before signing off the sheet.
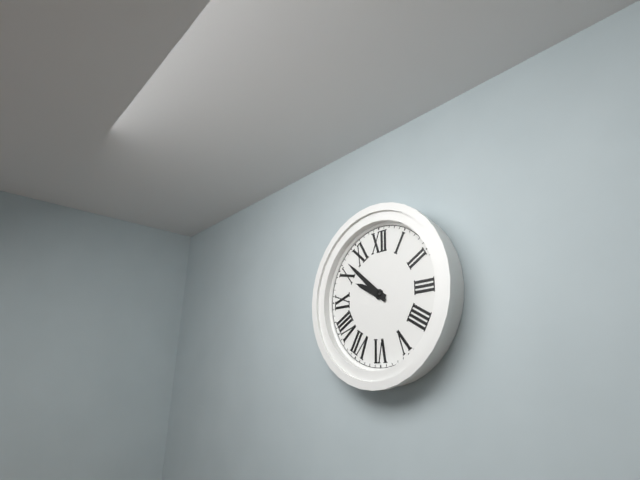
9:52
